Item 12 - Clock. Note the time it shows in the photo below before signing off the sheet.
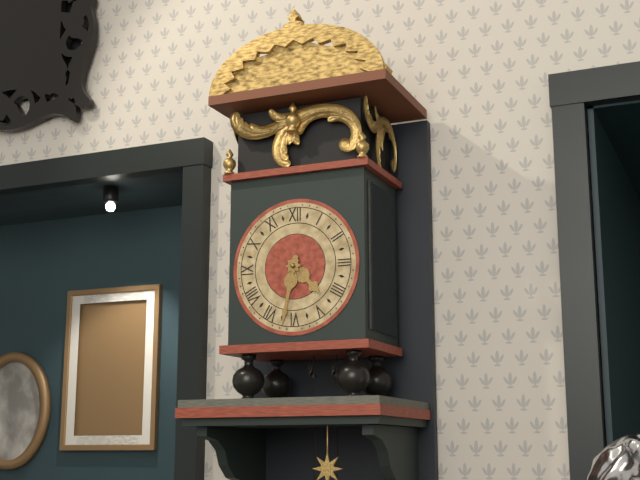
4:32
